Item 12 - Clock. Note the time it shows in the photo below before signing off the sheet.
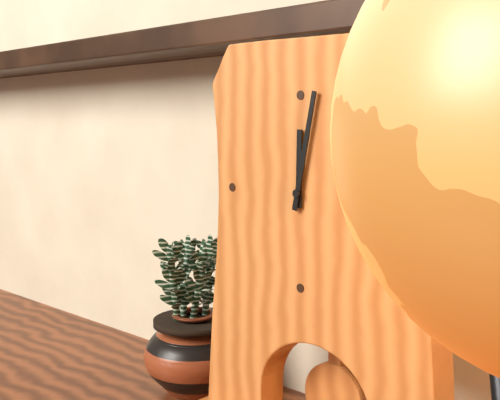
12:02
